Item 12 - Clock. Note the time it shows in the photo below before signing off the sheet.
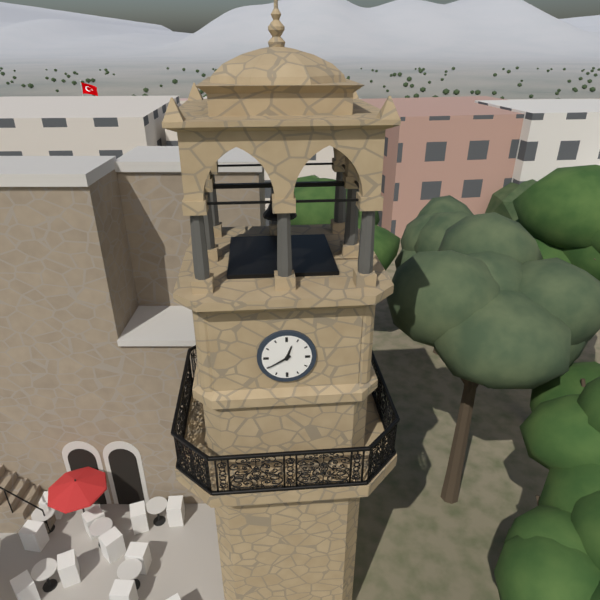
12:40
